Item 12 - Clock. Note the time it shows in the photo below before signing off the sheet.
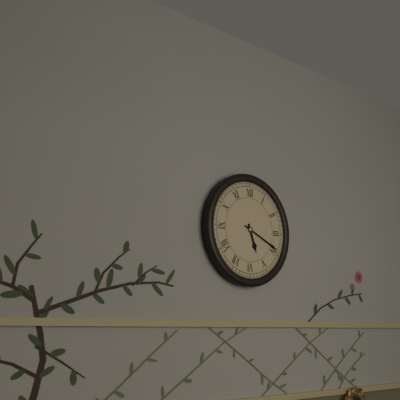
5:19
